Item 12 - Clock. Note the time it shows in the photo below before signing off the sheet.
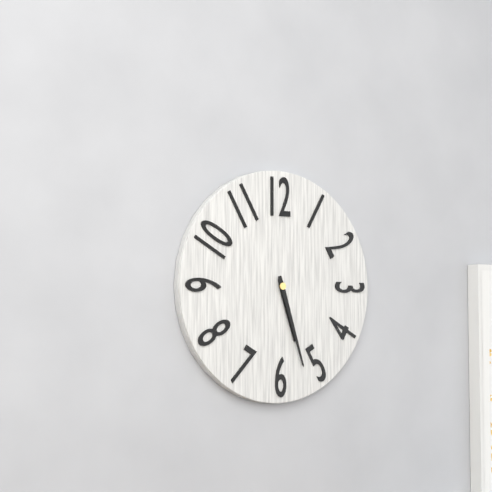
5:27
